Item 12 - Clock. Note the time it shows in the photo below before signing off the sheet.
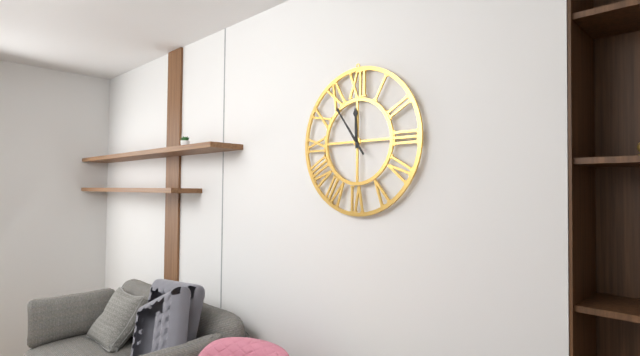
11:54
